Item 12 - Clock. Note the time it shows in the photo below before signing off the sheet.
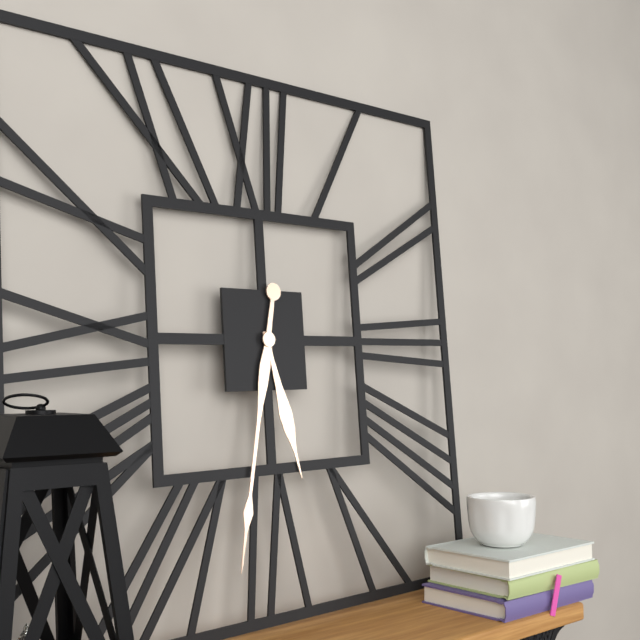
5:32
